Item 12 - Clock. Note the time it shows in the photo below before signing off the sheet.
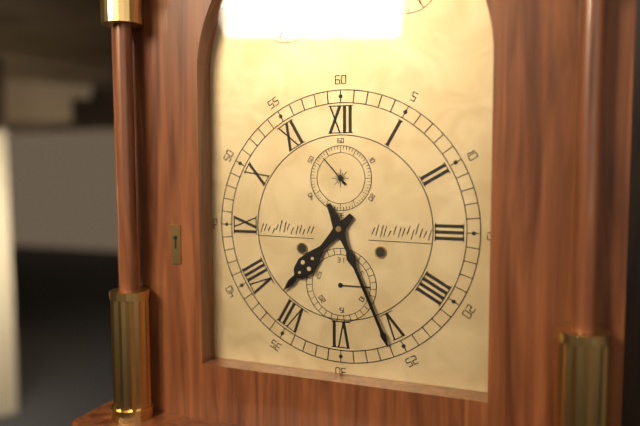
7:26
